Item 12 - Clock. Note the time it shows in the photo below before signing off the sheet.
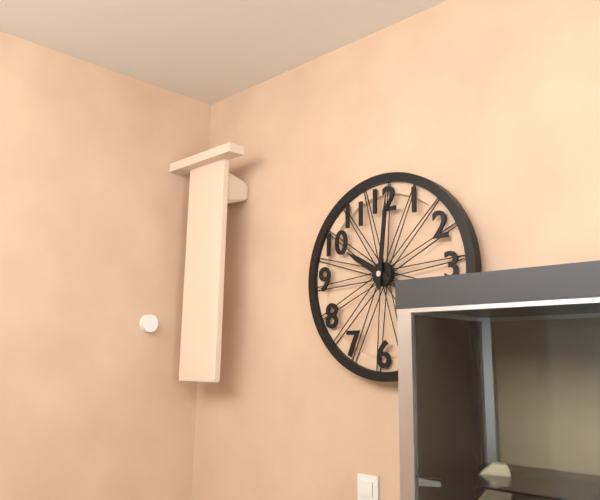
10:01
